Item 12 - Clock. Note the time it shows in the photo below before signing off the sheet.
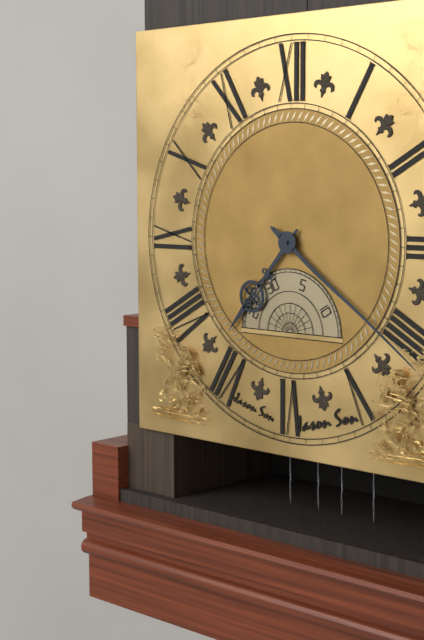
7:21
